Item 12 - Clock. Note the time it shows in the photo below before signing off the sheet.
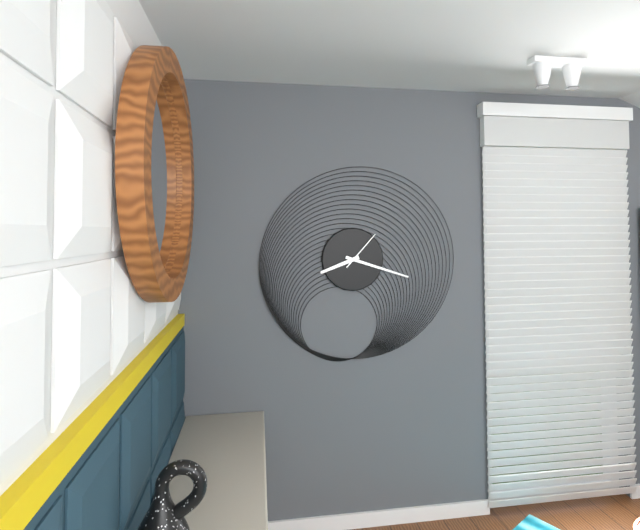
8:18
